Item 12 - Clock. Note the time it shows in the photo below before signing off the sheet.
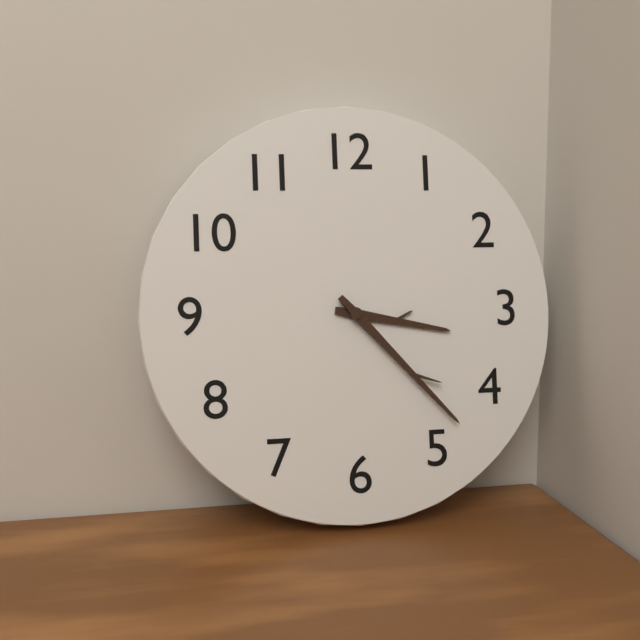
3:23
